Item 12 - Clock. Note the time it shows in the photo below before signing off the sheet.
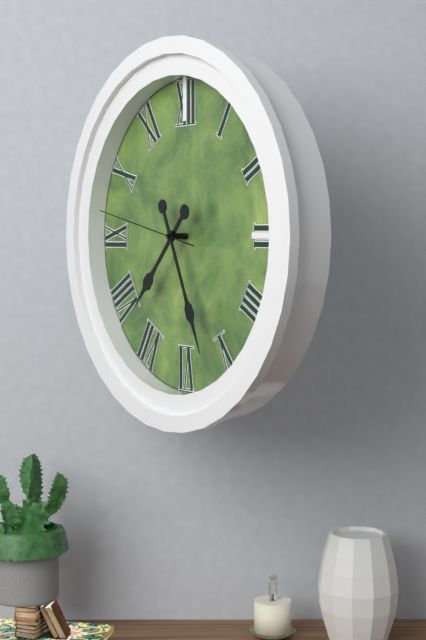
7:26:47
